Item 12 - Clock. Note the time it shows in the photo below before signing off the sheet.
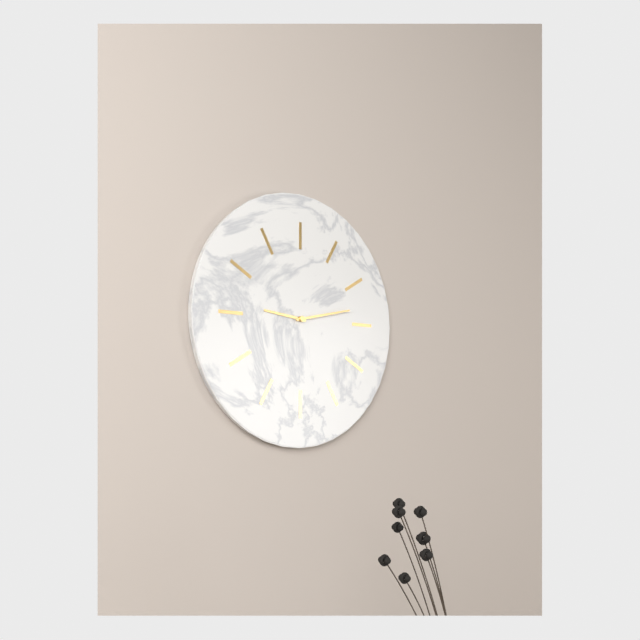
9:13
